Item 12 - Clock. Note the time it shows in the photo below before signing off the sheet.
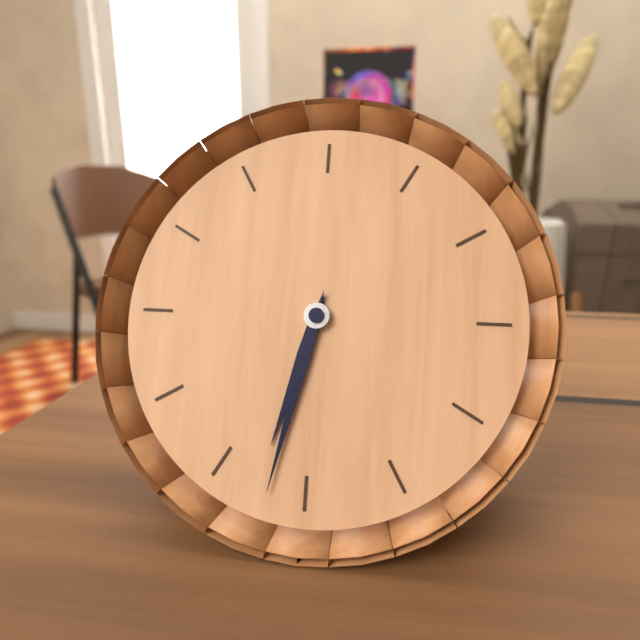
6:32
